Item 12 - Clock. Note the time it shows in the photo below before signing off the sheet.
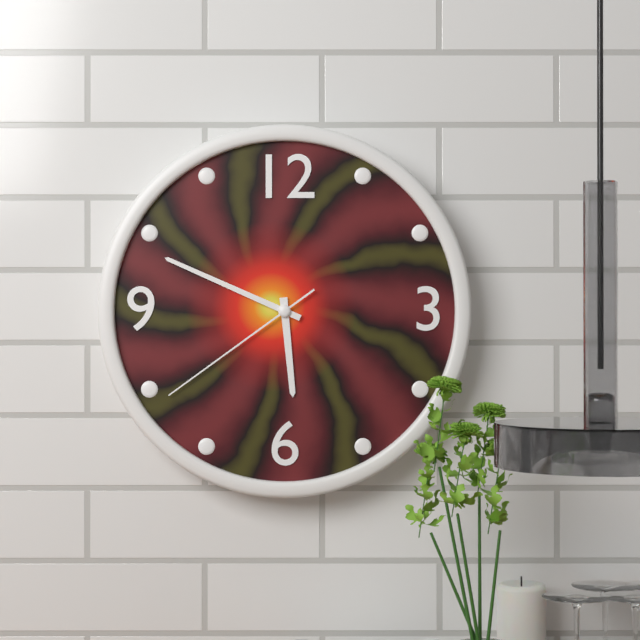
5:49:39
